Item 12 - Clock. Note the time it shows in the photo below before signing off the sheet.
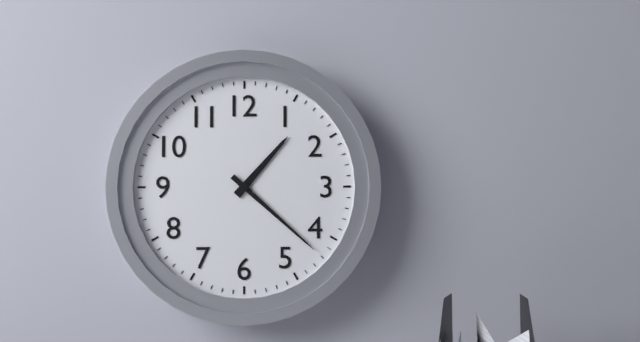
1:22
